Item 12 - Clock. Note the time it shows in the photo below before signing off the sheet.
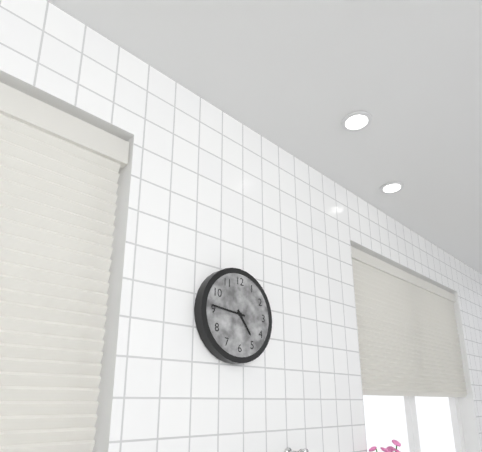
4:46
